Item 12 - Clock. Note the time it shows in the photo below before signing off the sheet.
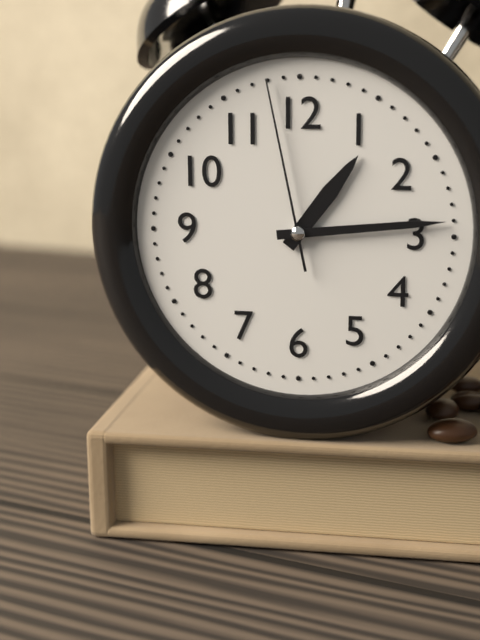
1:14:58
